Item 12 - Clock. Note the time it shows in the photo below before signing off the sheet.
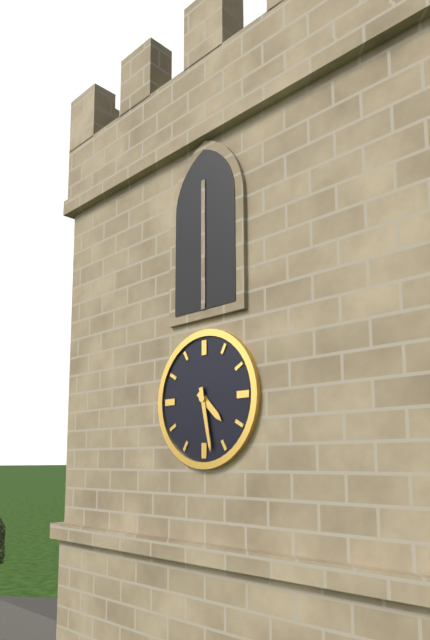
4:28
